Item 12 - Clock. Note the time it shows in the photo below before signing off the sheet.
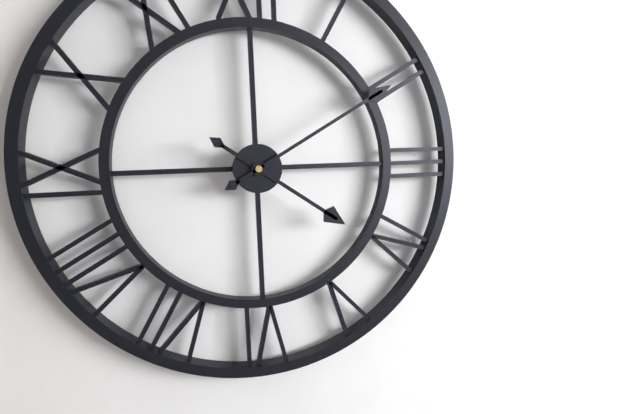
4:10
